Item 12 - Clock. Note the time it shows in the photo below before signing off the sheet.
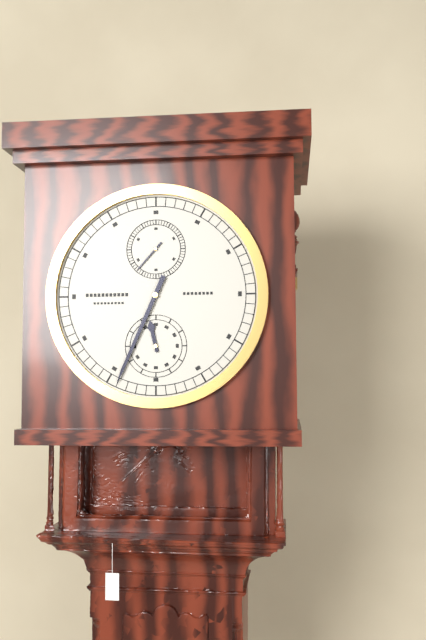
11:34
